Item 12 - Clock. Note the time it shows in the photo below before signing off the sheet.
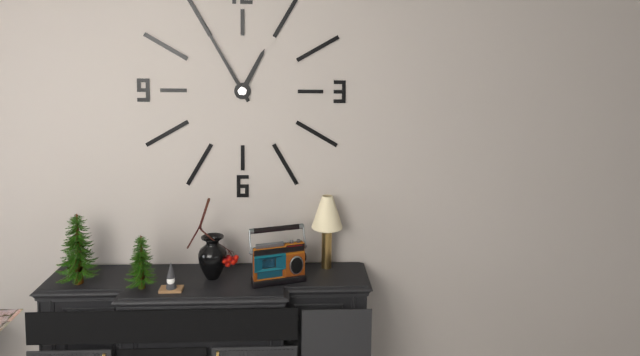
12:55
